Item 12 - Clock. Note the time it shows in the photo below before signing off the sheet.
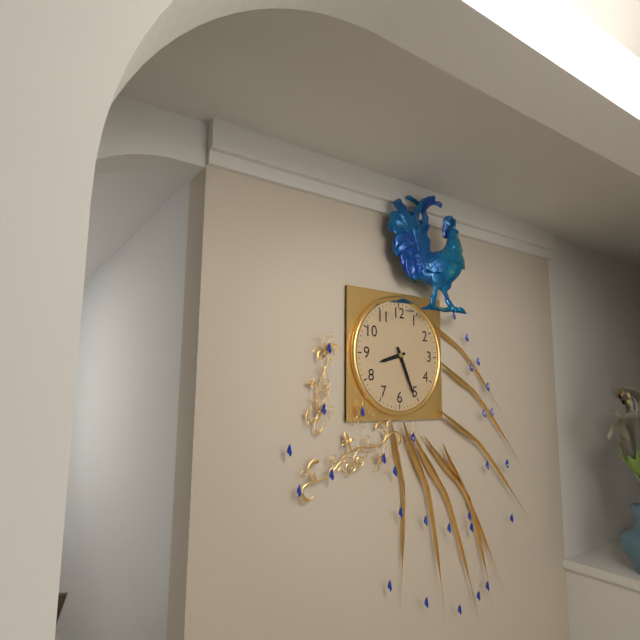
8:26
